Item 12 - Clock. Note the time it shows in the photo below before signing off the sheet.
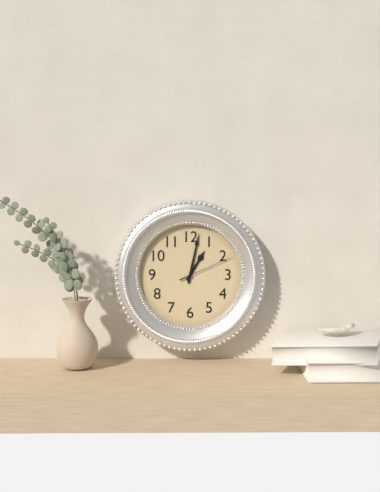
1:02:11
